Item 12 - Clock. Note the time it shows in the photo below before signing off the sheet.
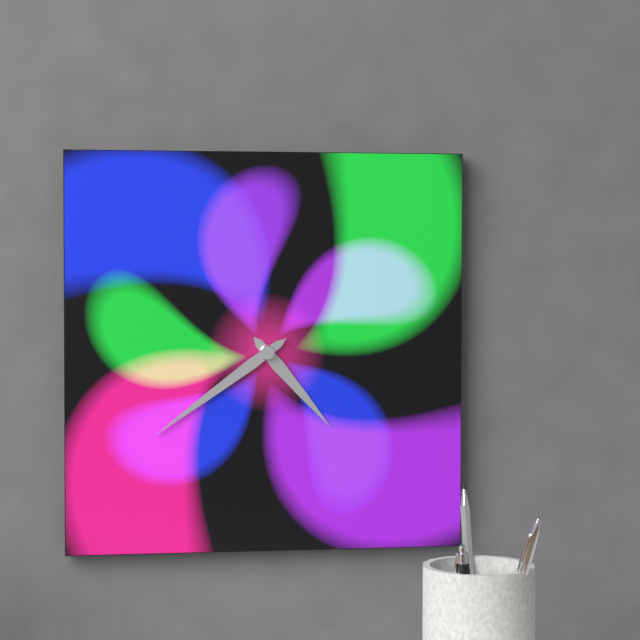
4:39
